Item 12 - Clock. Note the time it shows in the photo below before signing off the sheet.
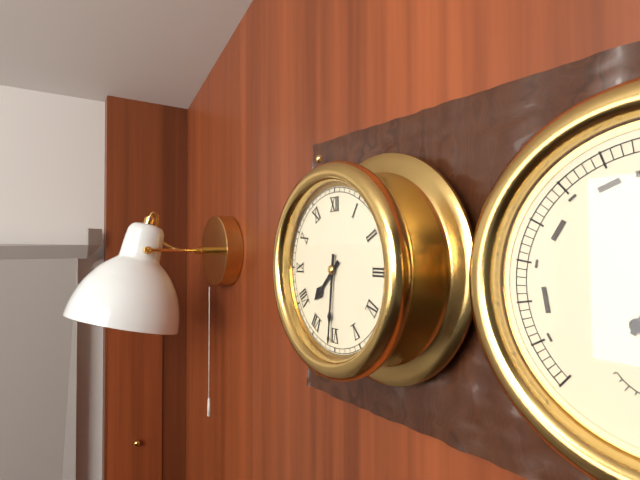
7:31
